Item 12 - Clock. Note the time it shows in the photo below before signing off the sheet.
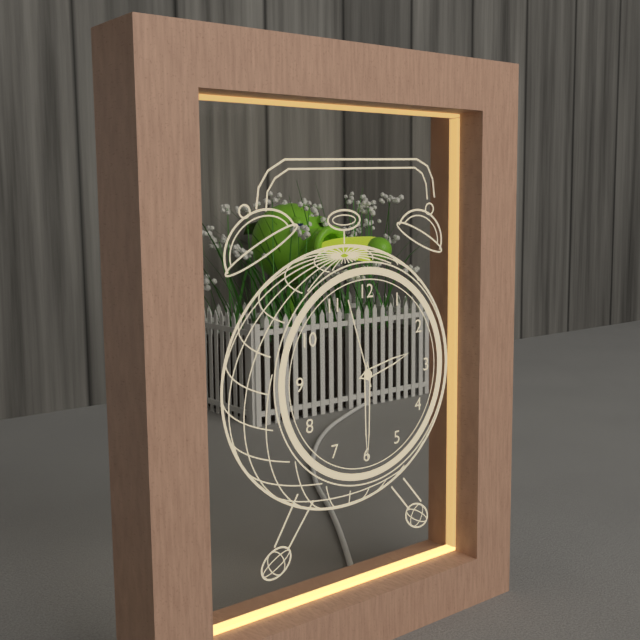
2:30:57
